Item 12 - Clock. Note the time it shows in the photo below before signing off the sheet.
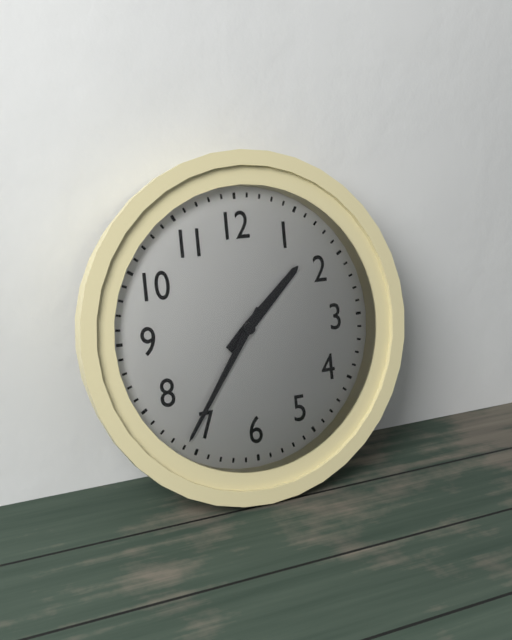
1:36
